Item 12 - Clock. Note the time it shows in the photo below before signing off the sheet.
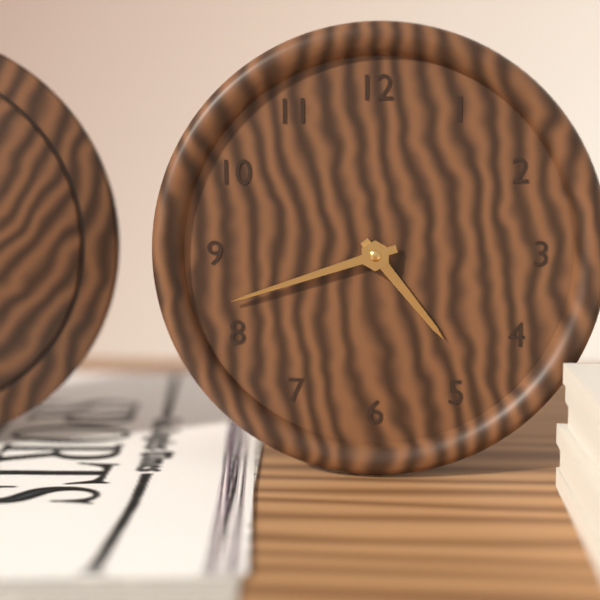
4:42
